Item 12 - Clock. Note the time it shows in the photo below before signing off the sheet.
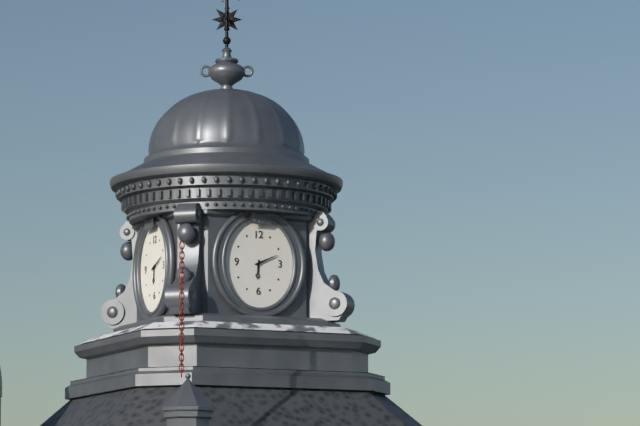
6:11
